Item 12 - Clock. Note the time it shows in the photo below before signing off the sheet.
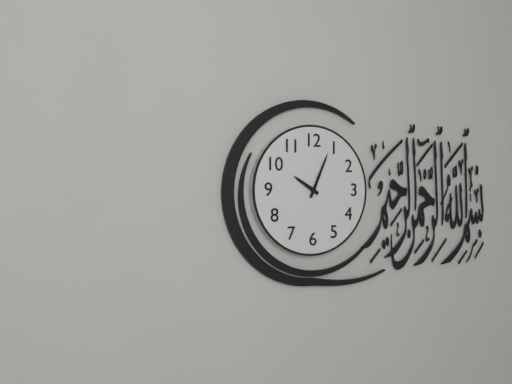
10:04
